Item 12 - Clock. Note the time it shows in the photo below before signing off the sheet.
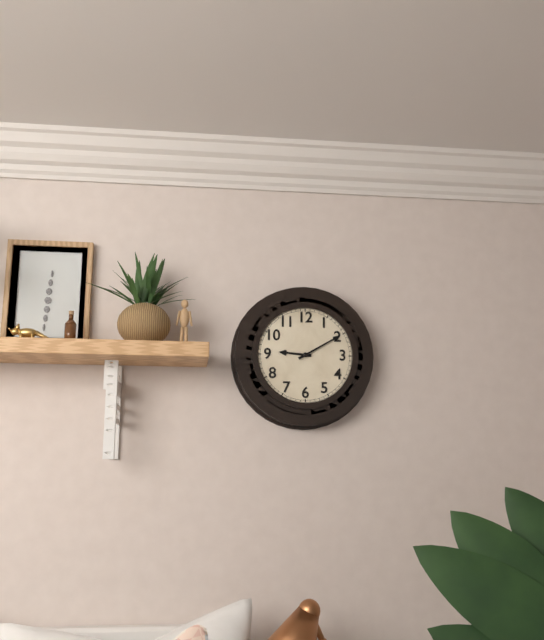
9:10
